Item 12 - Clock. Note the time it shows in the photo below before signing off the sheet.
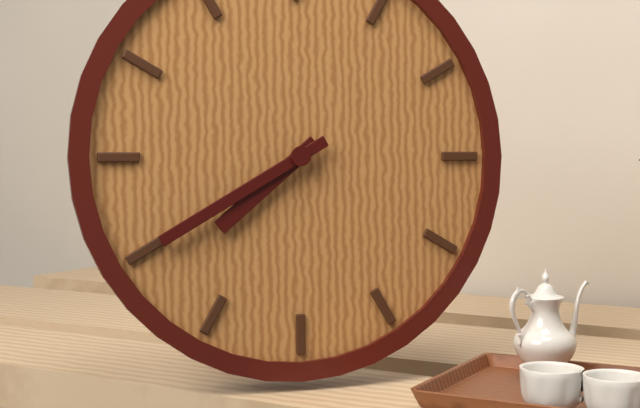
7:40
